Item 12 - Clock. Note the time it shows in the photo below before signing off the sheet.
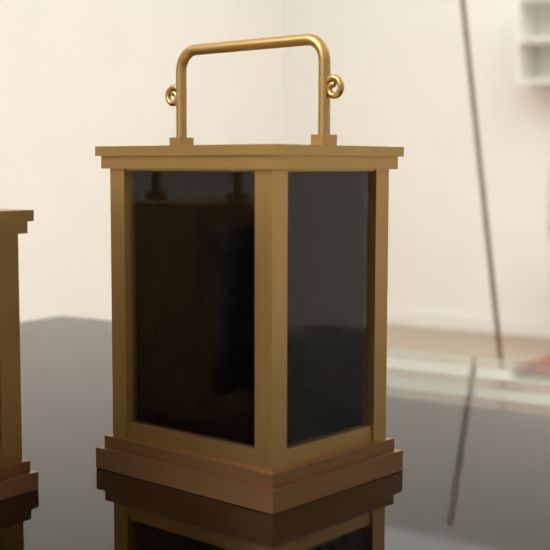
12:22
